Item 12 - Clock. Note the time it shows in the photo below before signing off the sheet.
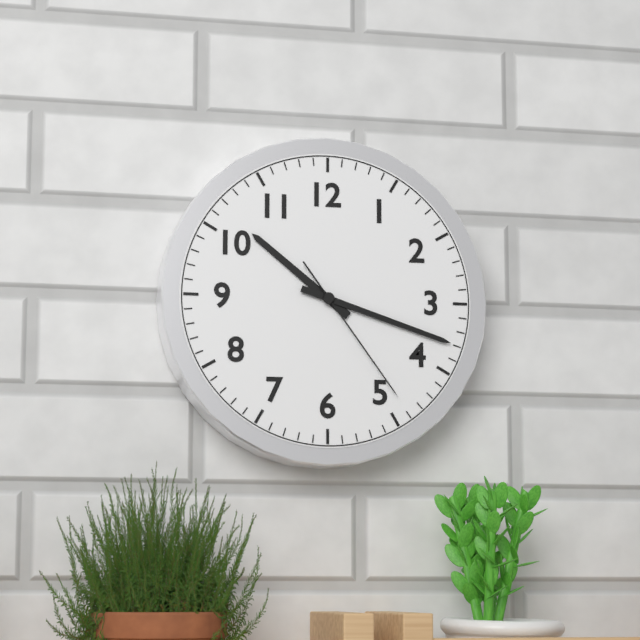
10:18:24
